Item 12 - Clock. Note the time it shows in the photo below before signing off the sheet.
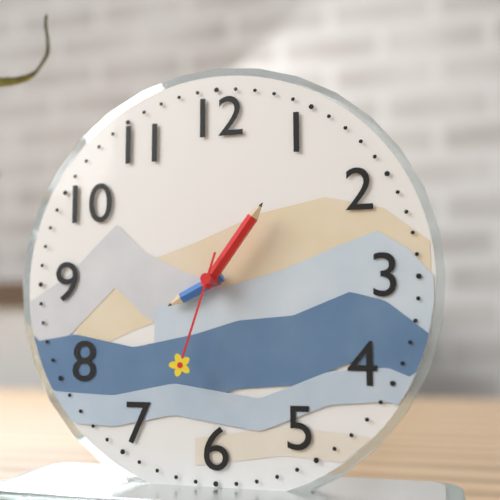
8:06:33
